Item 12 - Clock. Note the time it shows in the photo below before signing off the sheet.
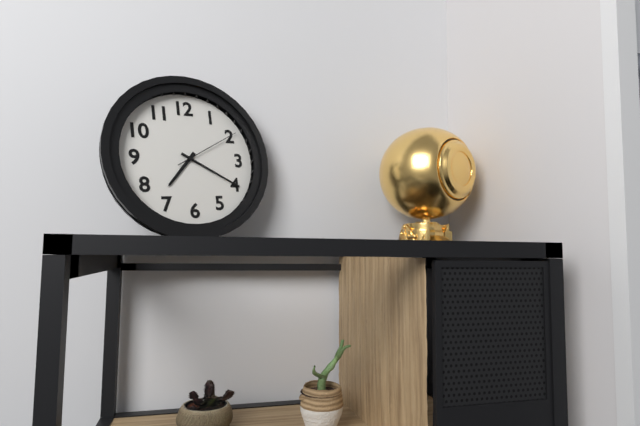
7:20:10
